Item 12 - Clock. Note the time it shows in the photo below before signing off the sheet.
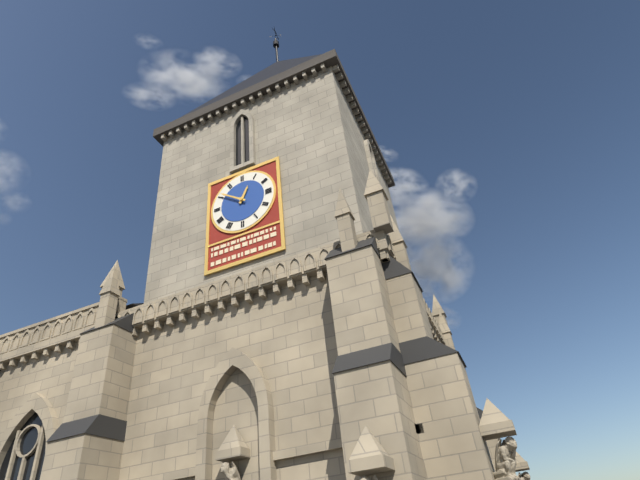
12:51
